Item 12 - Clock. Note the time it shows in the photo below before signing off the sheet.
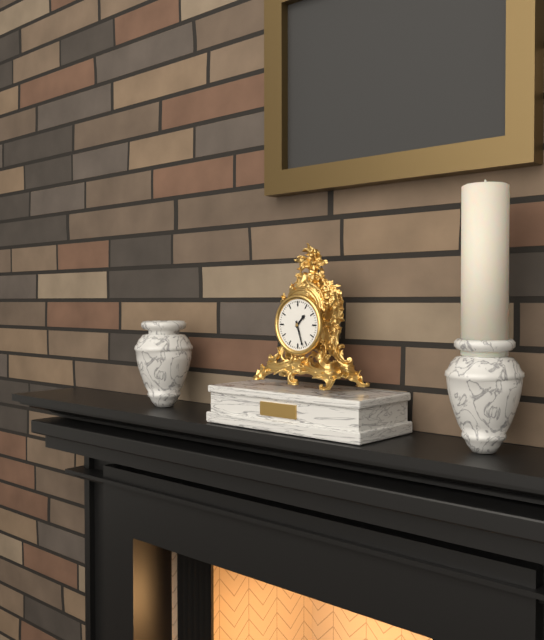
1:27
